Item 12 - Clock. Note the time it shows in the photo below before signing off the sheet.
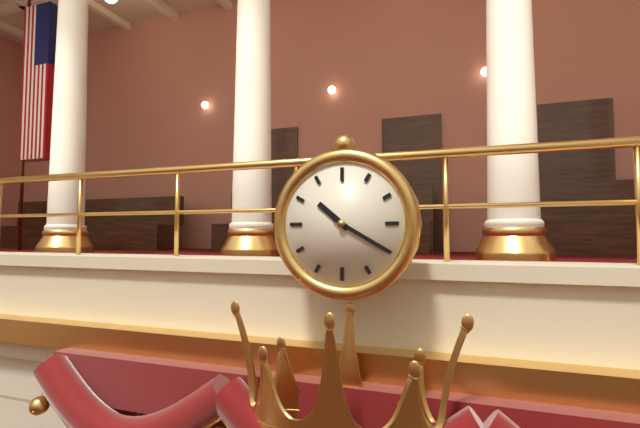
10:20
